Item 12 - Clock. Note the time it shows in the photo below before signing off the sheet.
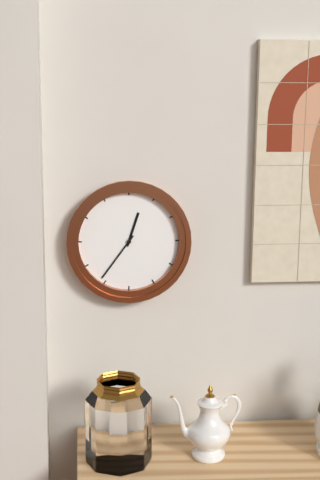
12:36
